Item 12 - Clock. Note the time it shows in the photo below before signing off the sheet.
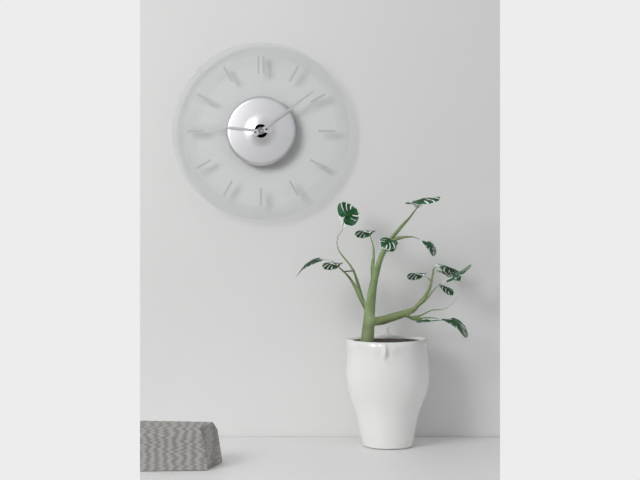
1:46
